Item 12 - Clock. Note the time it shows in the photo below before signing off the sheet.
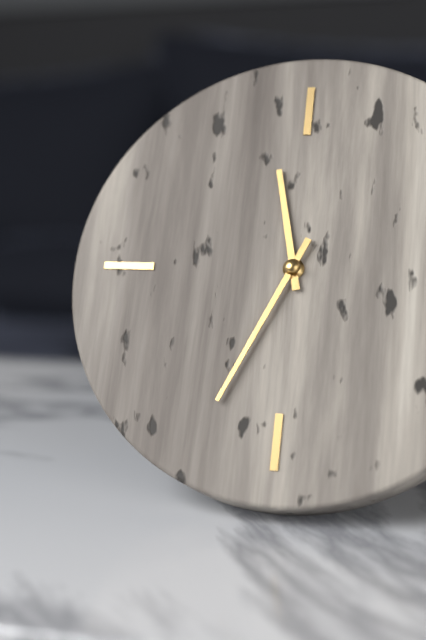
11:34
